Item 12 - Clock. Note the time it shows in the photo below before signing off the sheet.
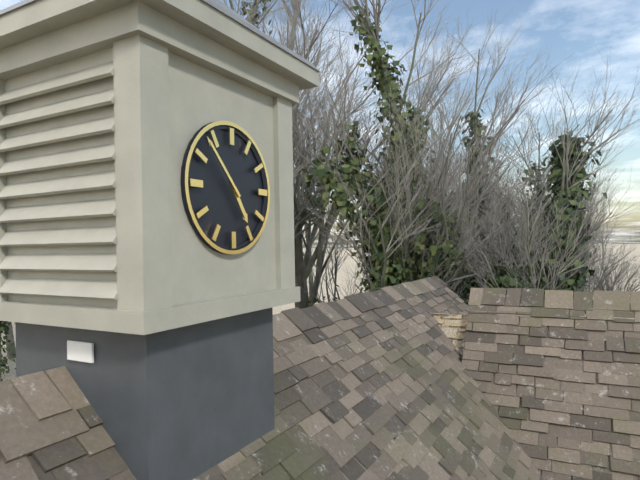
4:53
